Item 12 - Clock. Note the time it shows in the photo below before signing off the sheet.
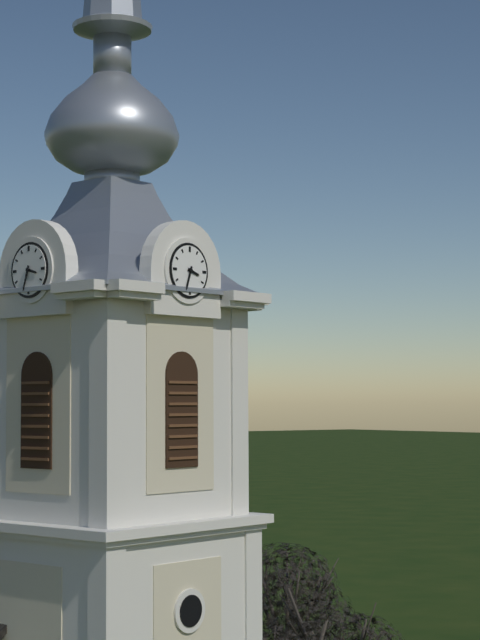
3:33
